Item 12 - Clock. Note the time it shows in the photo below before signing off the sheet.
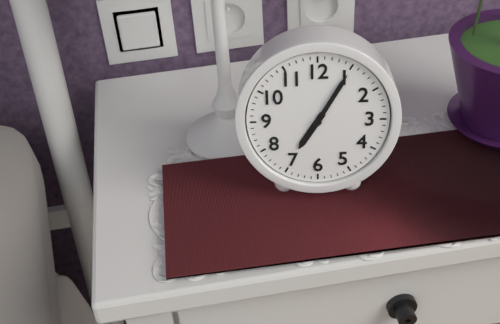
7:05
